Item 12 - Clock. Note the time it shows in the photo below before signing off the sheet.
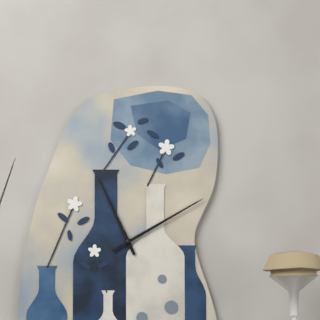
11:10
